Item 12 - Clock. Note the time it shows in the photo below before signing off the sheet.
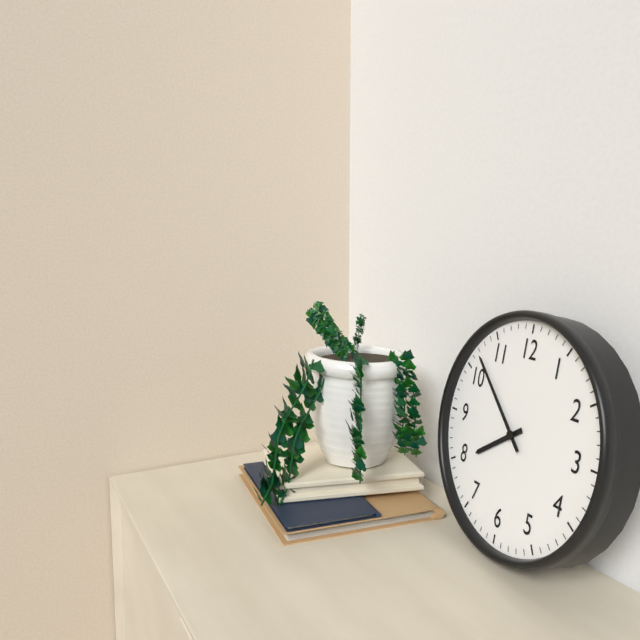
7:52
